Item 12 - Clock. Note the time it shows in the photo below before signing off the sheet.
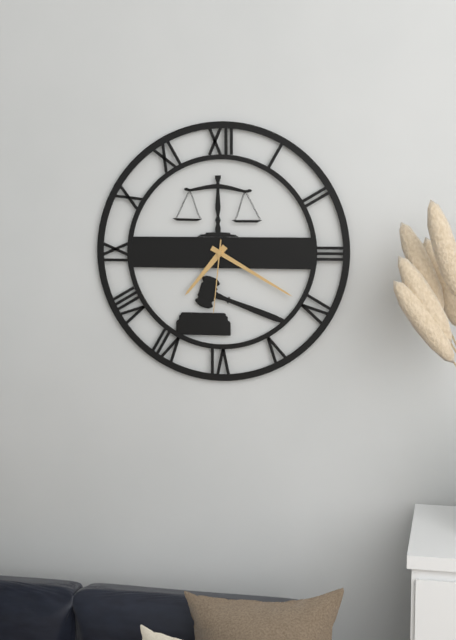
7:20:31
